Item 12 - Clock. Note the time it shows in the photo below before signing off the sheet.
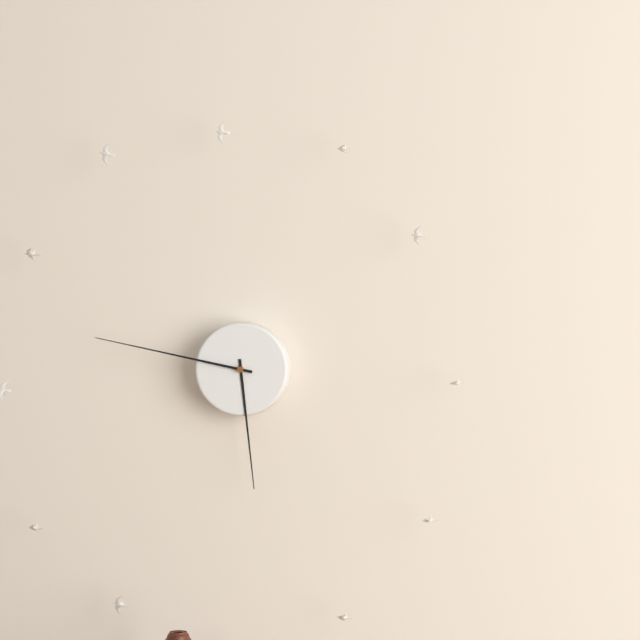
5:47
